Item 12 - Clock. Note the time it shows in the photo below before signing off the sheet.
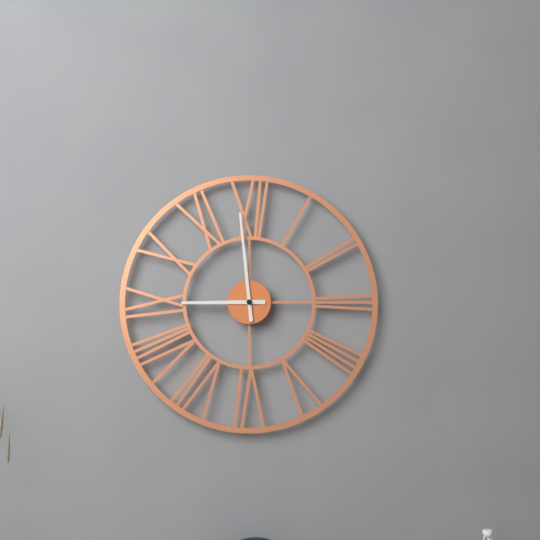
8:59
